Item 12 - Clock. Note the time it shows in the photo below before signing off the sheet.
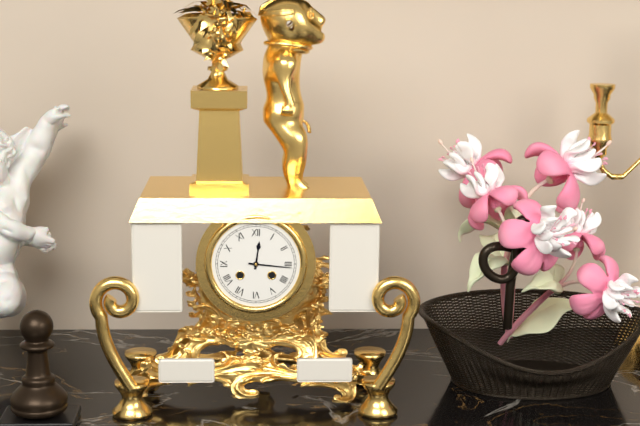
12:16
